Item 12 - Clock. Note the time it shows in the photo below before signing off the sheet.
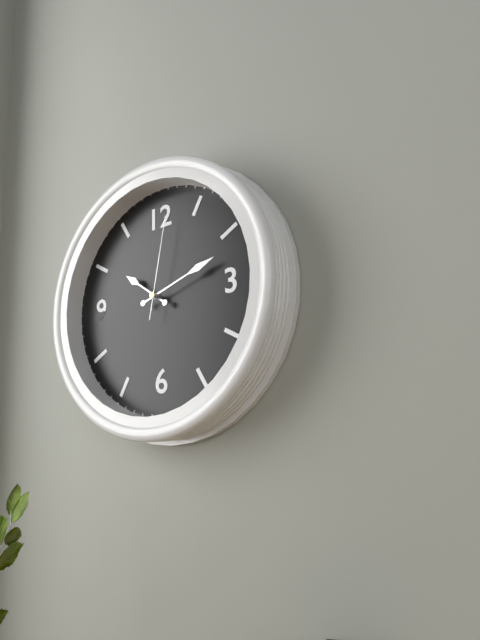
10:12:02
